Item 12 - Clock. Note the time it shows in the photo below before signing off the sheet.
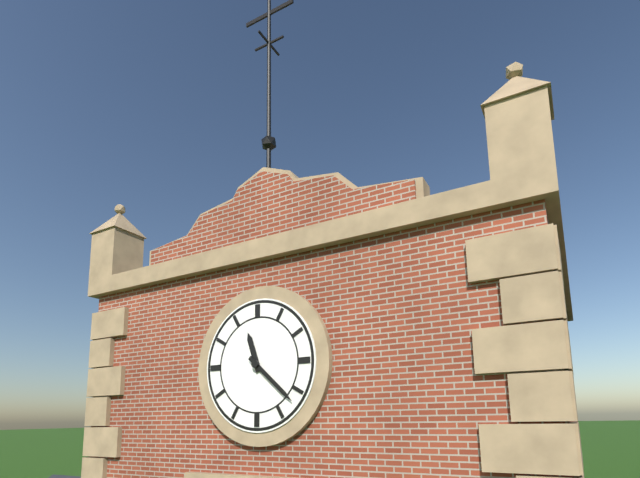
11:22
